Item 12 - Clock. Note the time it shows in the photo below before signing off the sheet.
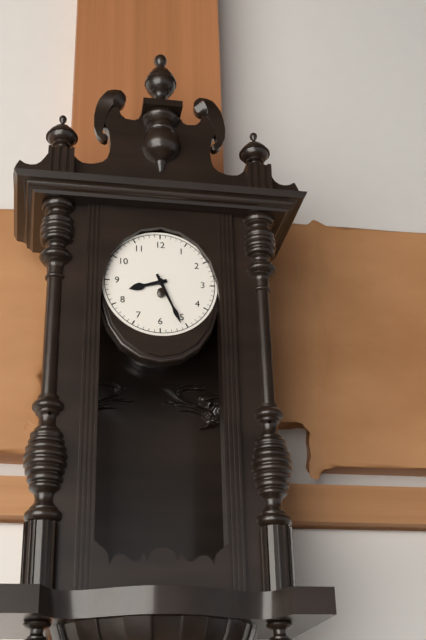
8:26
